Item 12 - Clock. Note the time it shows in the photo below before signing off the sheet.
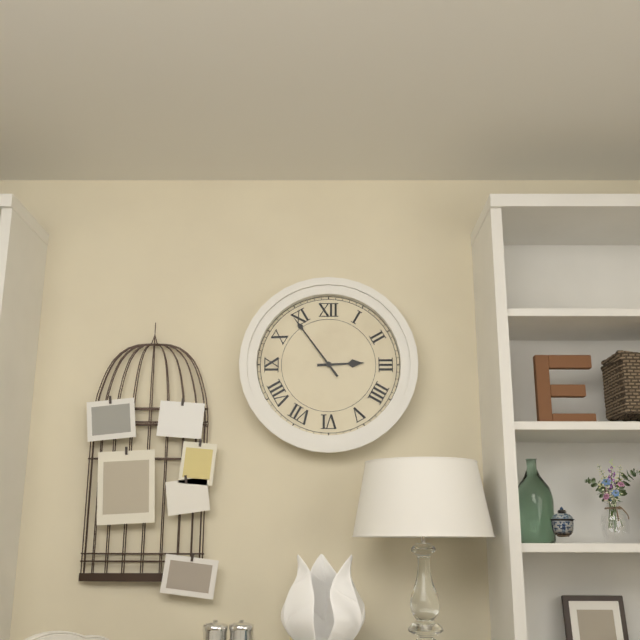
2:54
